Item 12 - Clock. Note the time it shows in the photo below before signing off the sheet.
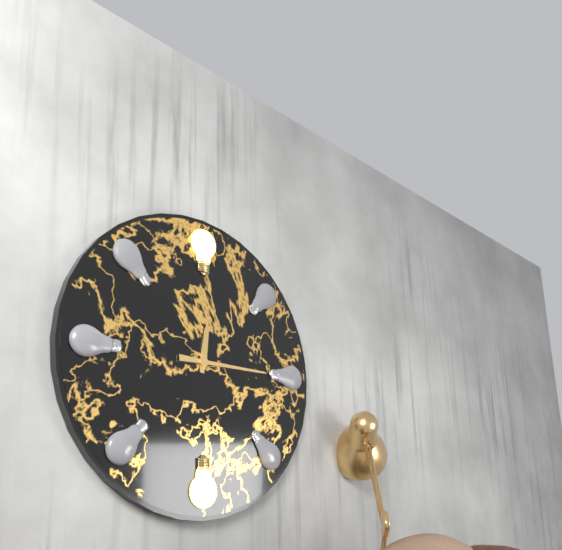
12:15
